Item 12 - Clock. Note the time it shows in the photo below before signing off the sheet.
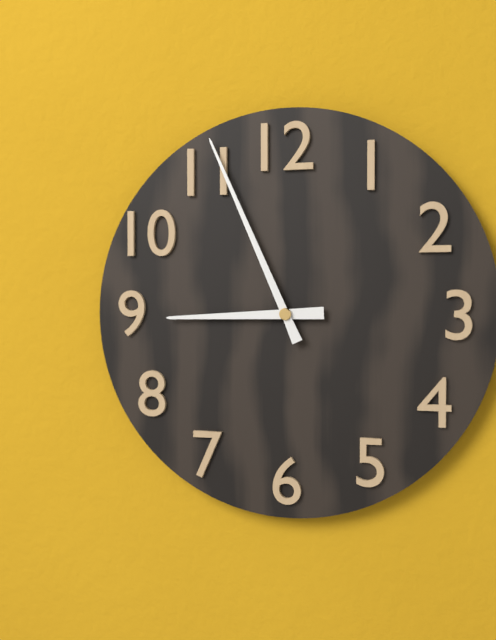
8:56
